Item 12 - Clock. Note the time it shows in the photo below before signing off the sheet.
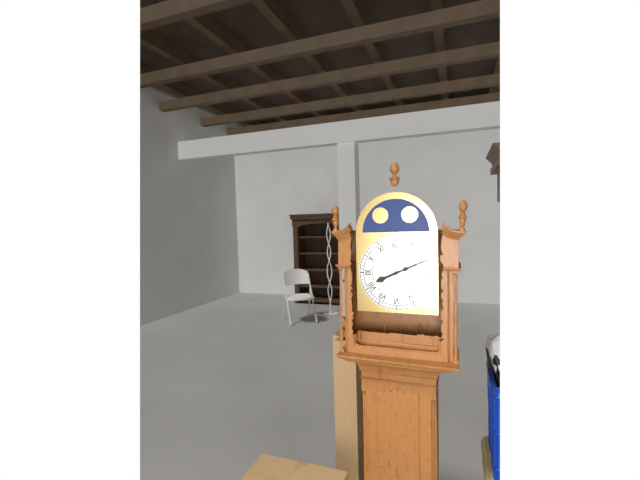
8:11
